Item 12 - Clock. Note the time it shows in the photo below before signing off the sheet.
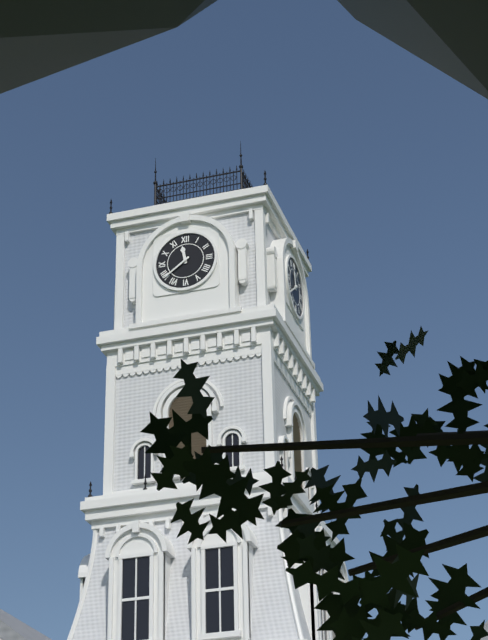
11:39
